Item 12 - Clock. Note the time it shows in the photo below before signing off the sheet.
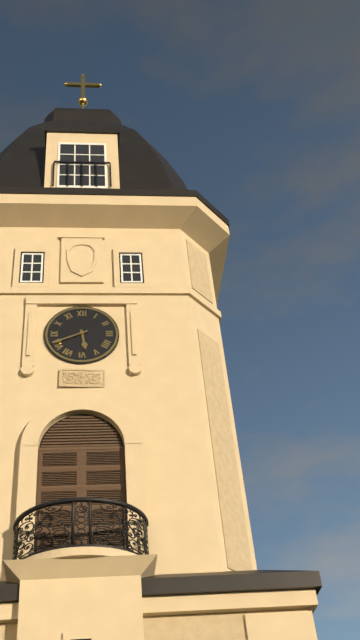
5:41
